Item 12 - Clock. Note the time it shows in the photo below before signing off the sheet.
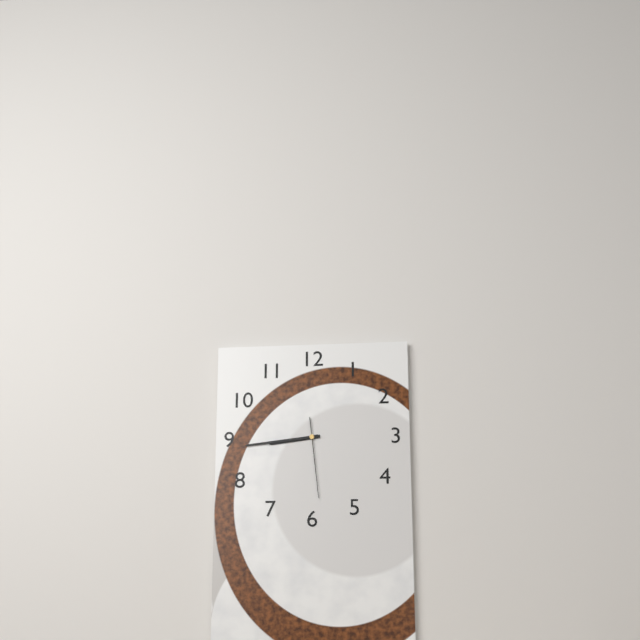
8:44:29
